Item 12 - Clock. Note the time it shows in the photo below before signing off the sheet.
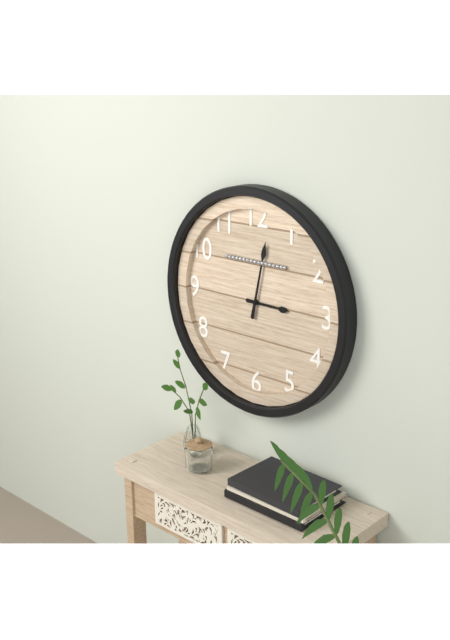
3:02
